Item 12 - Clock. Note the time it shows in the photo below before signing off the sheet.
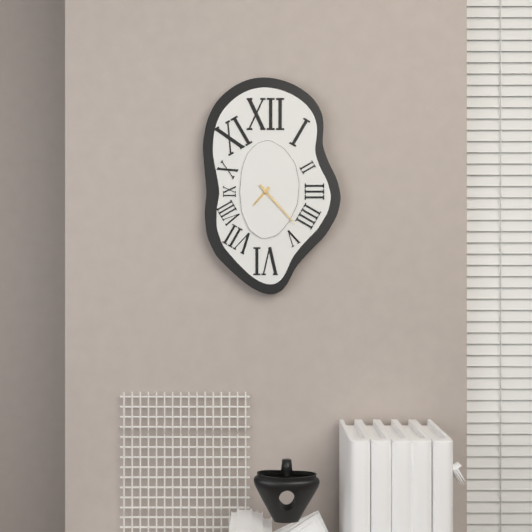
7:23
